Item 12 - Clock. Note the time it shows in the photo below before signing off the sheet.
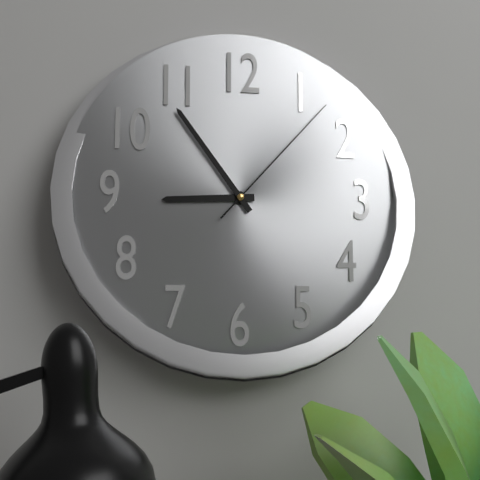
8:54:07
